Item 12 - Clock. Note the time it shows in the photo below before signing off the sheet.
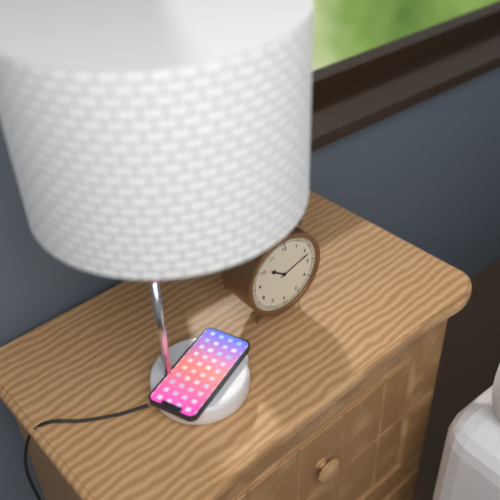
10:12
